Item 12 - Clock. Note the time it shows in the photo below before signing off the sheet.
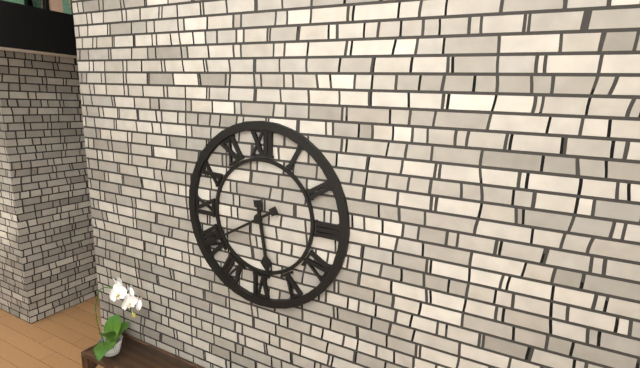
5:40
